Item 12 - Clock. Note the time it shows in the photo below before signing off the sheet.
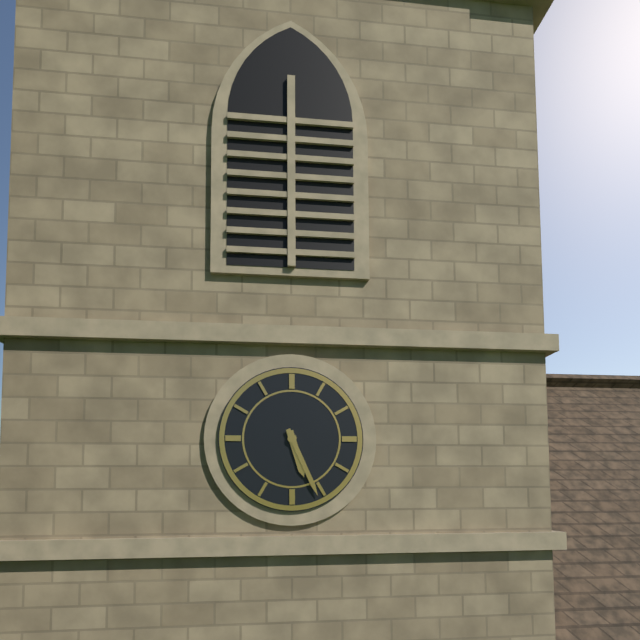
5:26
